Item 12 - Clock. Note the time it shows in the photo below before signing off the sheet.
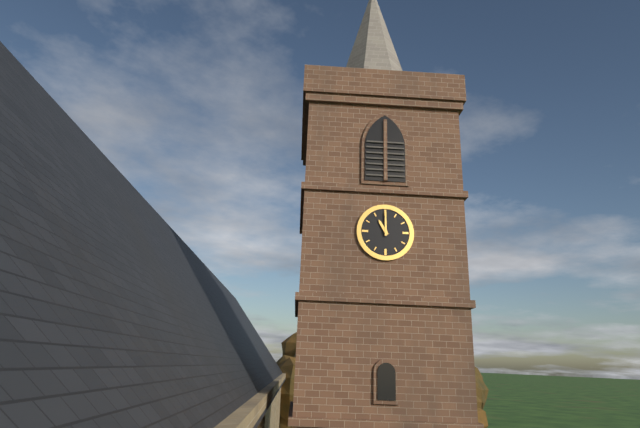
11:00
